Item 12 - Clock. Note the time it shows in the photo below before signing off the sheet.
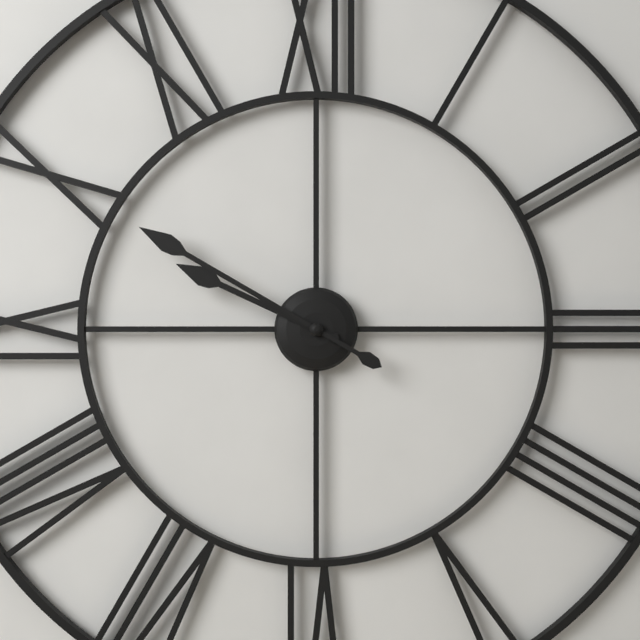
9:50
